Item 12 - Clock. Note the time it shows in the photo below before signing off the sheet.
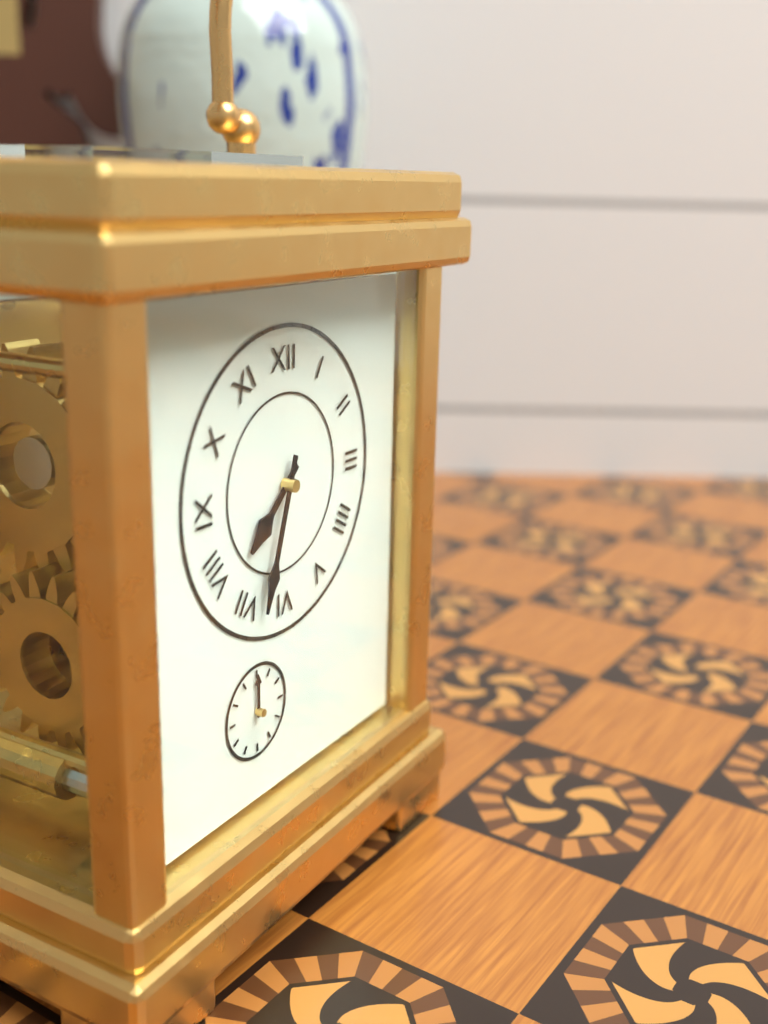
7:33
